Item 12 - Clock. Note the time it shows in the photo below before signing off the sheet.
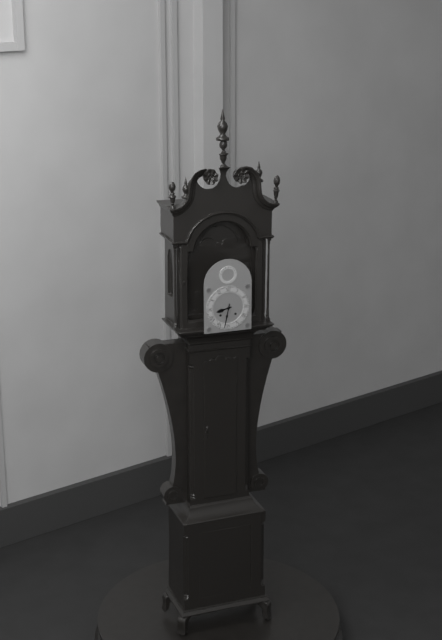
8:32
